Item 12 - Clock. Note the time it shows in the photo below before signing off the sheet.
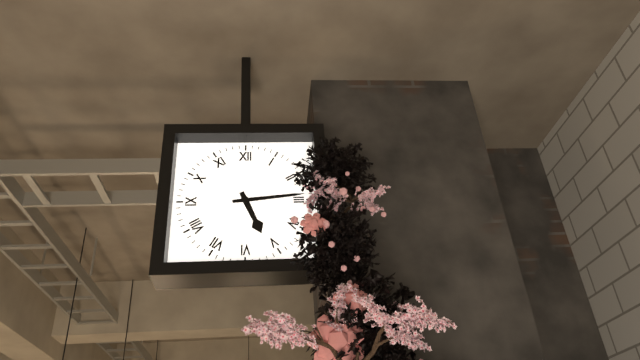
5:14
